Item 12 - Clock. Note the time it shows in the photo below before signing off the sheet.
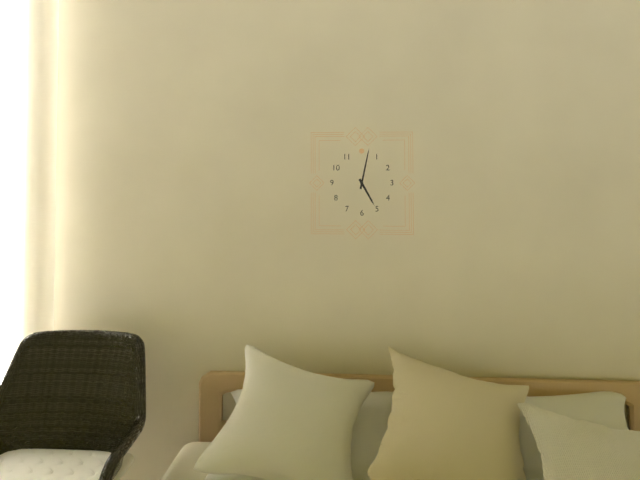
5:02
